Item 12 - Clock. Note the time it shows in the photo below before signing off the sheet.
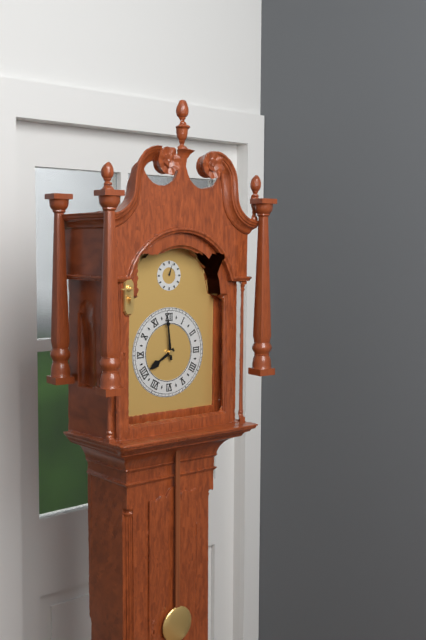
7:59
